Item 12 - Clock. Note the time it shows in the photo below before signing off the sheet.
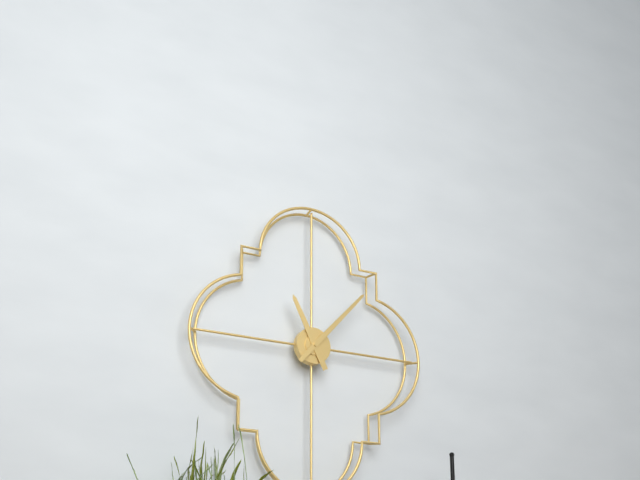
11:07
